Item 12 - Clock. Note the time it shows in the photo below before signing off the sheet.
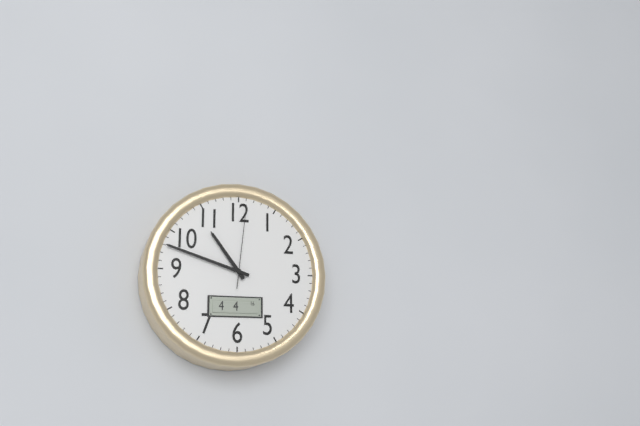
10:48:01
